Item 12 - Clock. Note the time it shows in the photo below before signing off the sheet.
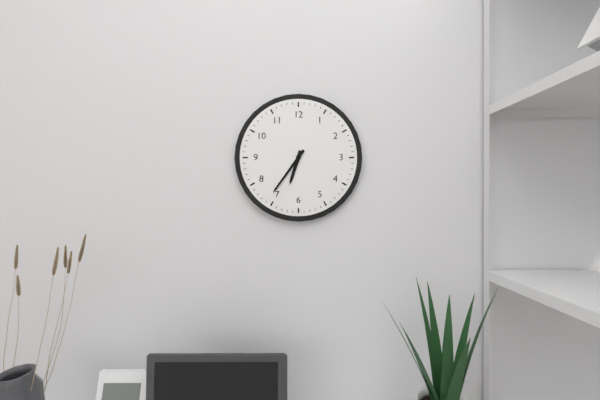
6:36
